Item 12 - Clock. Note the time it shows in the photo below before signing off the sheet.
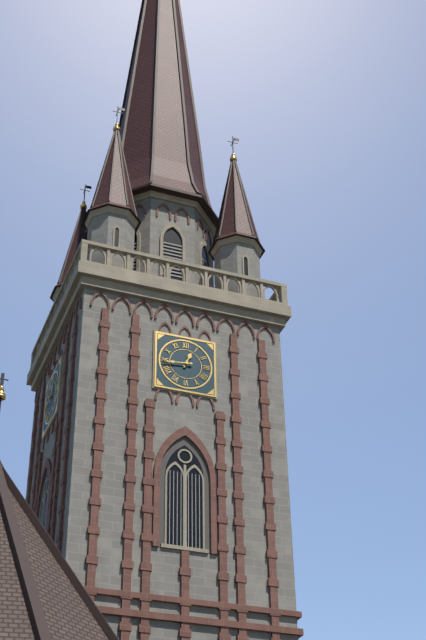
12:44
